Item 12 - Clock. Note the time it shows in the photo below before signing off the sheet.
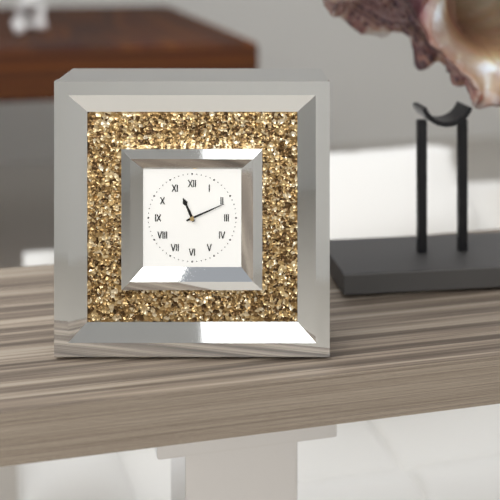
11:11
